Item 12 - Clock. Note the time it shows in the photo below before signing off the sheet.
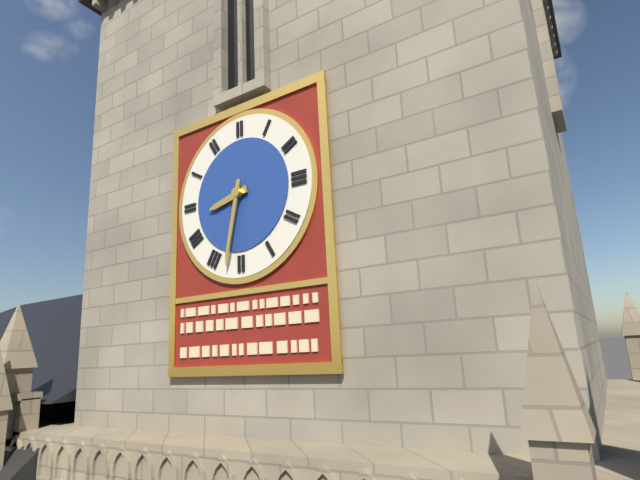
8:32
